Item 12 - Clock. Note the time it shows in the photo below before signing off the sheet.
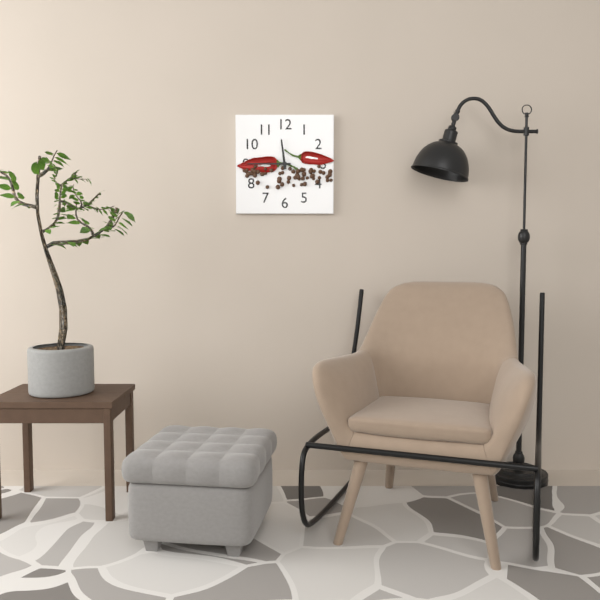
11:45
